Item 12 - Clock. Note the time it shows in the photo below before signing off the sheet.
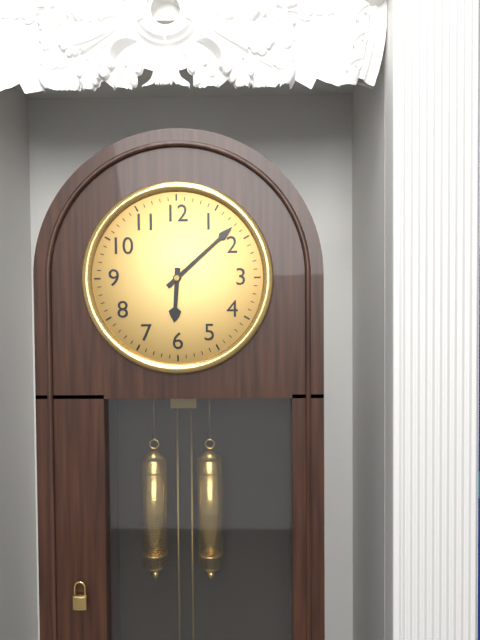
6:08
